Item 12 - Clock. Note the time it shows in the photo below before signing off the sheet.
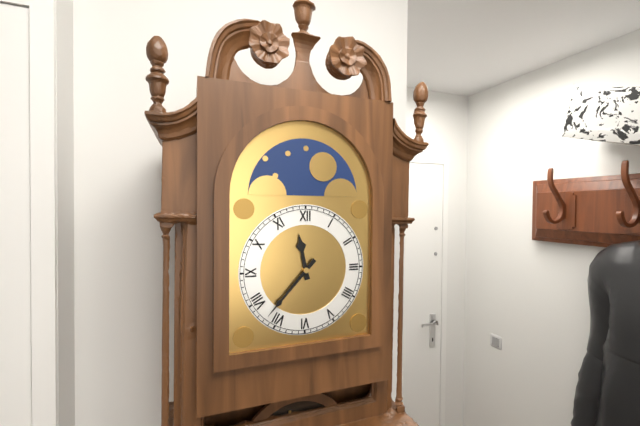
11:37
